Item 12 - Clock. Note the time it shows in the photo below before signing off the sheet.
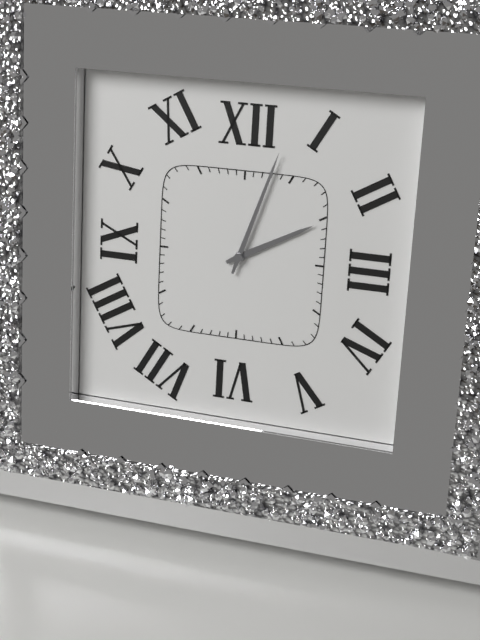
2:03
